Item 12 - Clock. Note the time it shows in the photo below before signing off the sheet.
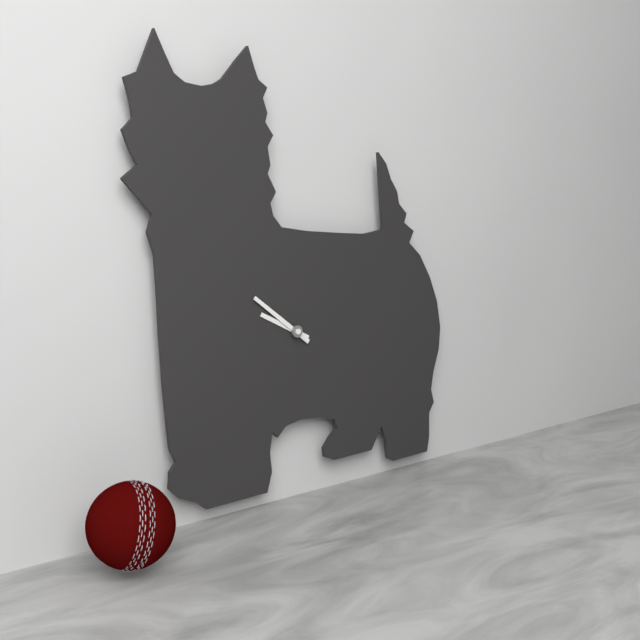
9:51
